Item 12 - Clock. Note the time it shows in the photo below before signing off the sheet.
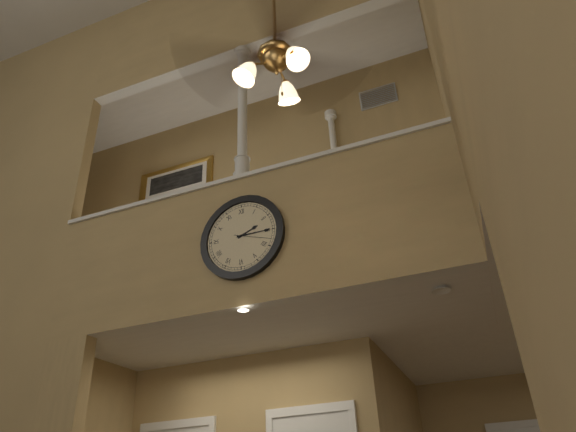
2:15
